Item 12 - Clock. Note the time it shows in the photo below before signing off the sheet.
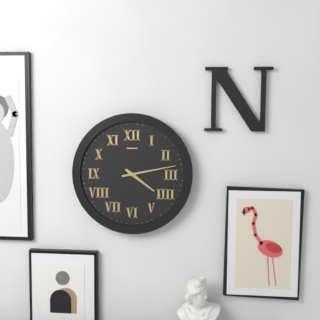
4:13
